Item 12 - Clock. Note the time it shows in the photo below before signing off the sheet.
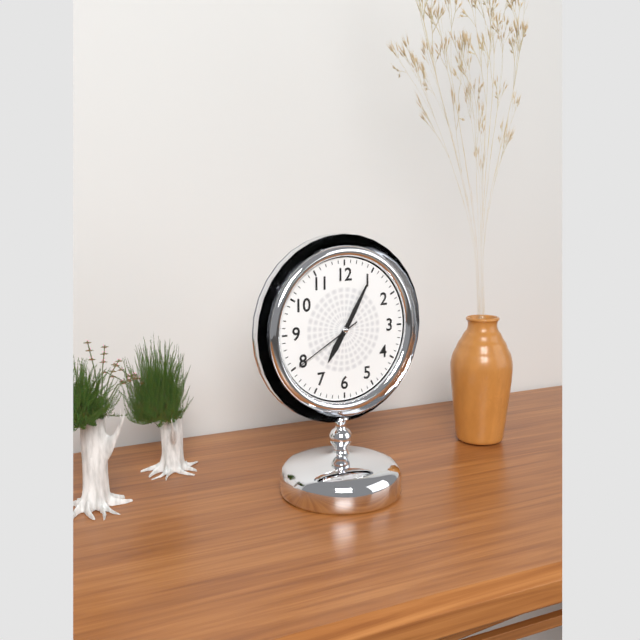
7:05:40
